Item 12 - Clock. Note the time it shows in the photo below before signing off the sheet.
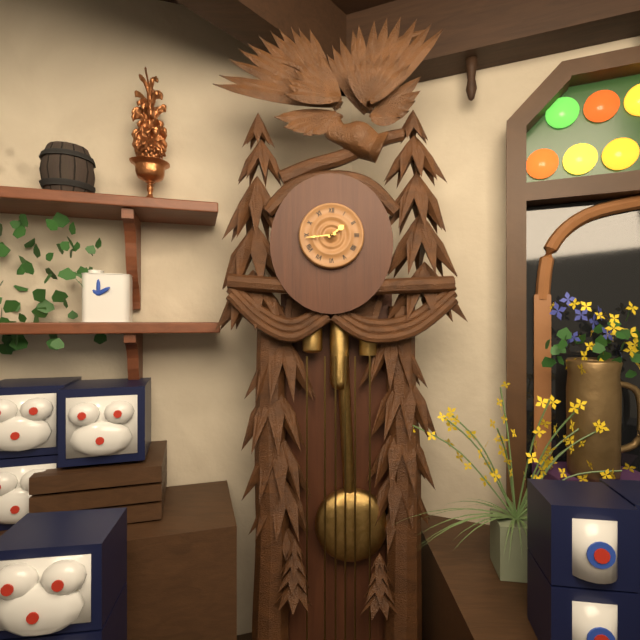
1:44
